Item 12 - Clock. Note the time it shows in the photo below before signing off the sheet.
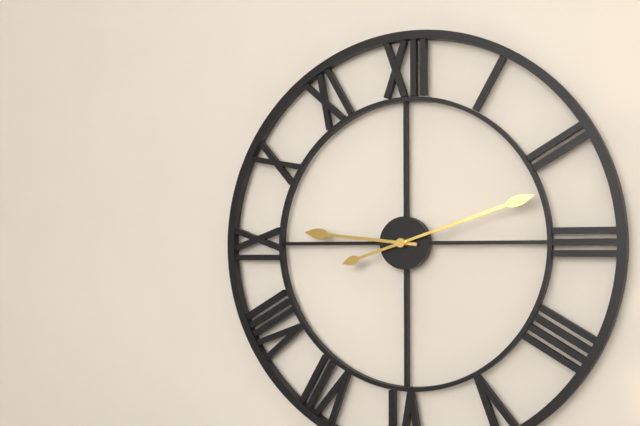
9:12
